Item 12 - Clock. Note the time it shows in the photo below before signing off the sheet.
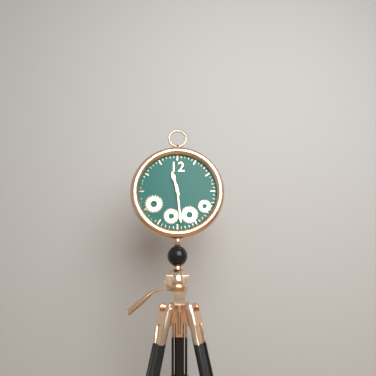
11:29
